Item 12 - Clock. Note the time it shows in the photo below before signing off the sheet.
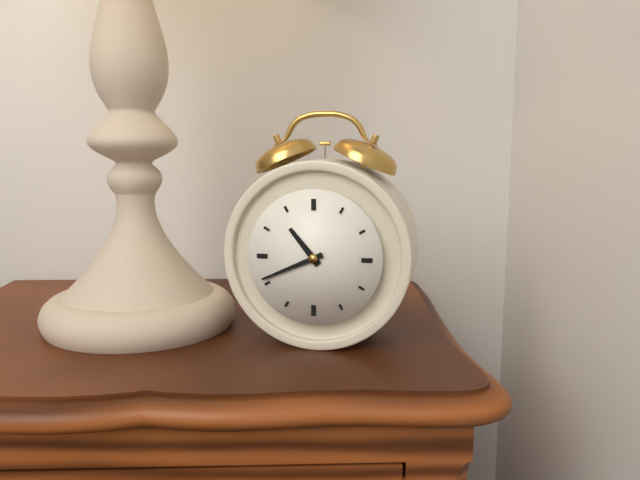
10:41
